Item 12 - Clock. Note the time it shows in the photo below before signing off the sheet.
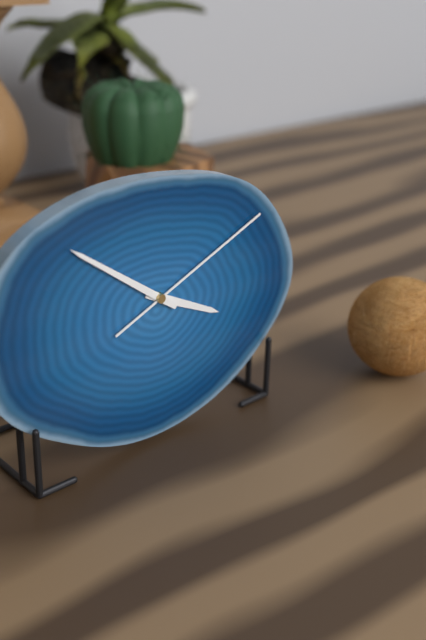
3:51:11
